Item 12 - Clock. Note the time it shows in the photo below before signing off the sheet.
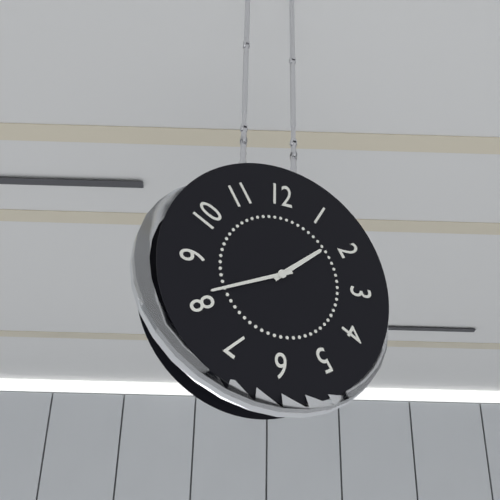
1:41
